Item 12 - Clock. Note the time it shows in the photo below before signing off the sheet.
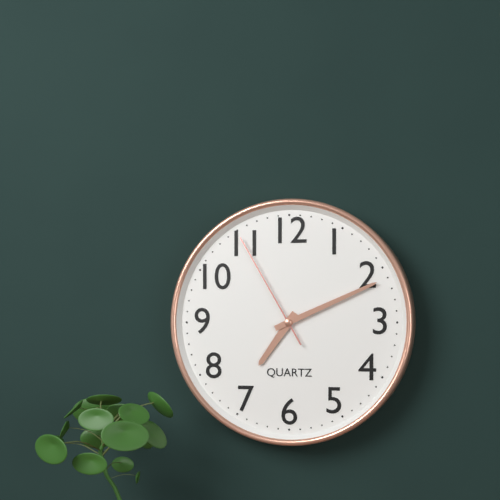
7:11:55
